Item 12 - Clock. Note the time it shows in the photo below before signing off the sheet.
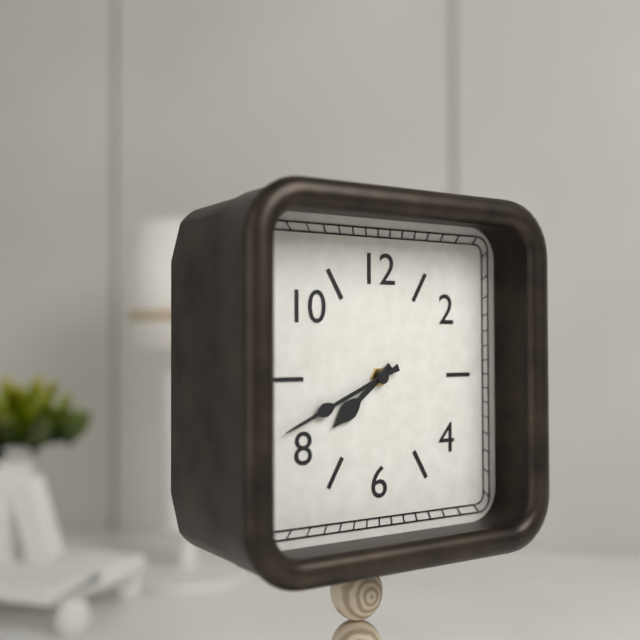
7:41
